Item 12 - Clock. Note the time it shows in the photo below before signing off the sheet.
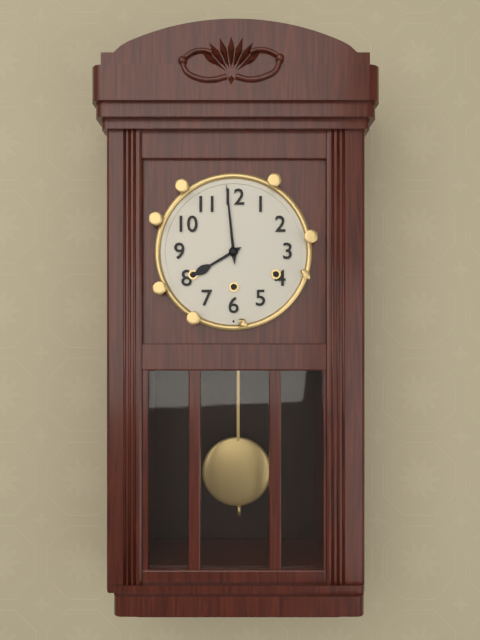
7:59
